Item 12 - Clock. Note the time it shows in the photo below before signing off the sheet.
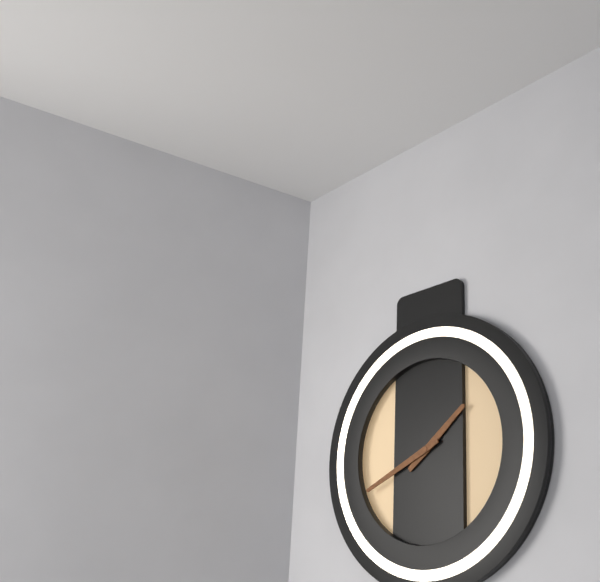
1:41
